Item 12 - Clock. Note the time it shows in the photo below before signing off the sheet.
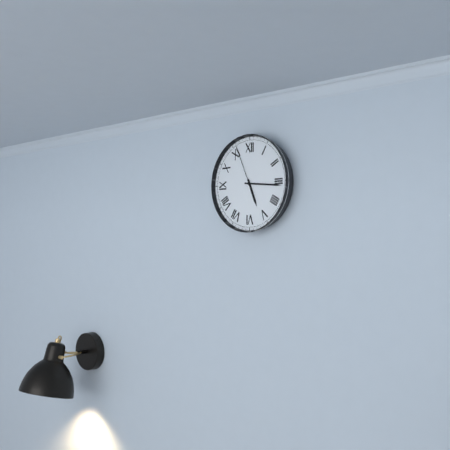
5:16:56
